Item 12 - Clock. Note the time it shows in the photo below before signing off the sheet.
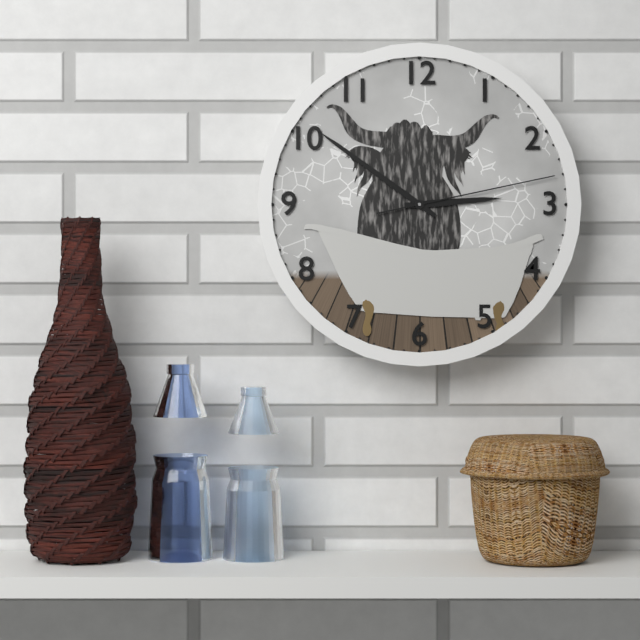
2:51:13
